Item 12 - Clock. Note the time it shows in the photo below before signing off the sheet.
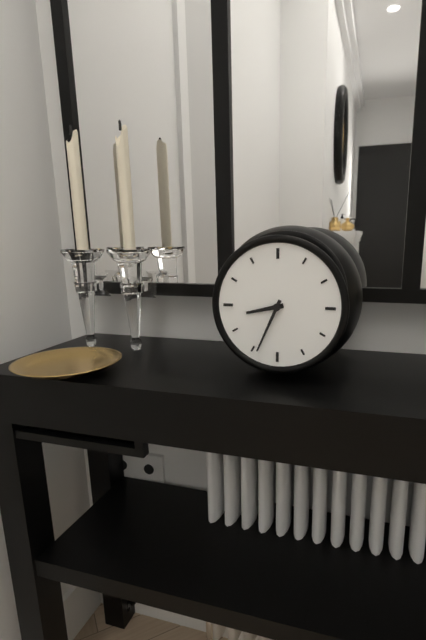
8:34
